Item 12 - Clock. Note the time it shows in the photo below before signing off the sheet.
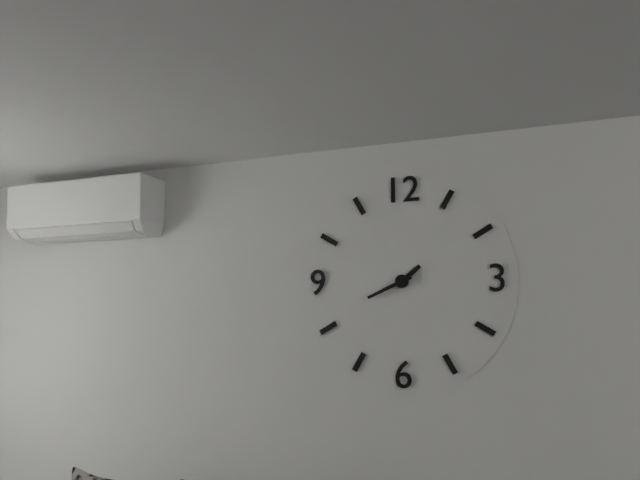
1:41
